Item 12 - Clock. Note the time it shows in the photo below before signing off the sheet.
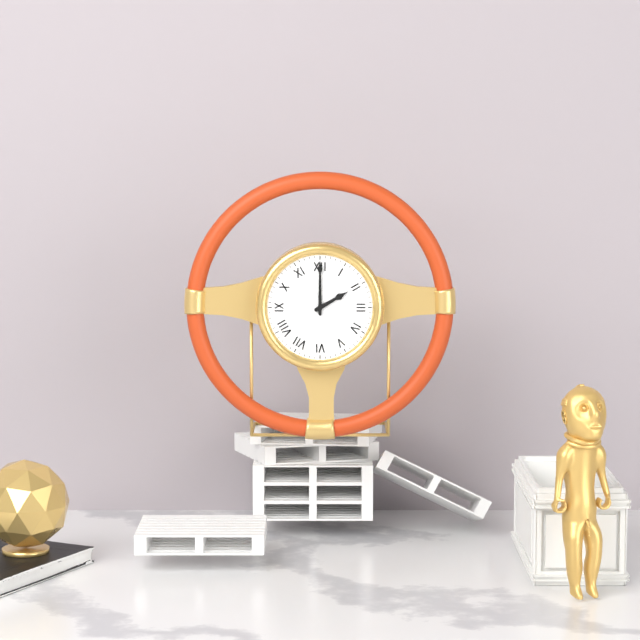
2:00
